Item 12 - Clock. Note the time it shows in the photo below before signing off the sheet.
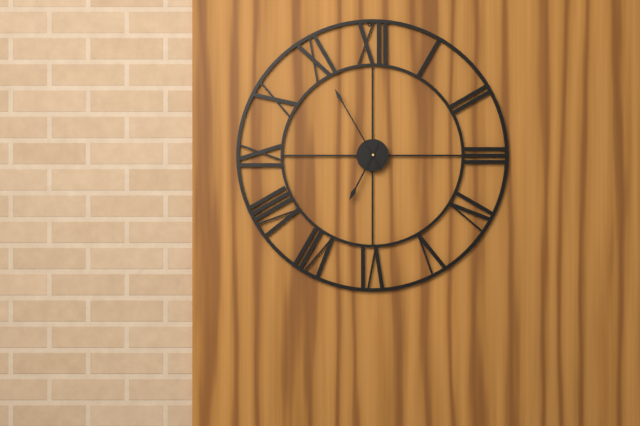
6:55
